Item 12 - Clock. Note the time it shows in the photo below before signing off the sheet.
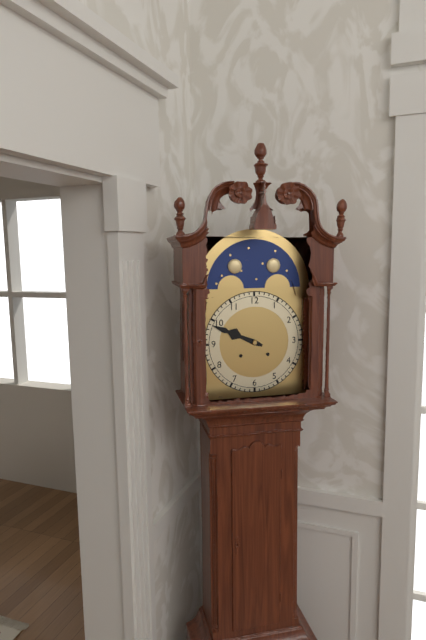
9:49
